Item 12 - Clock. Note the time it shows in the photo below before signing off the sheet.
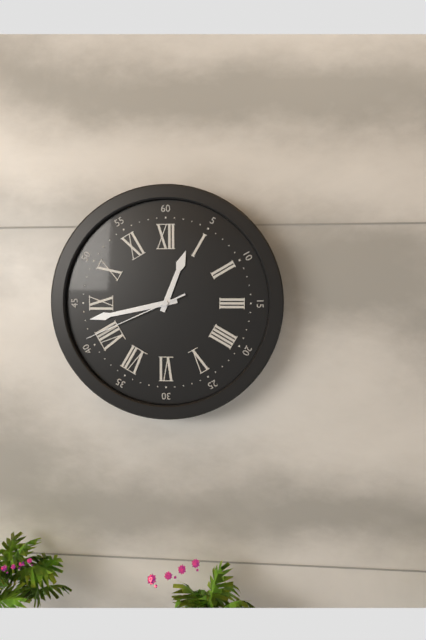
12:43:41
